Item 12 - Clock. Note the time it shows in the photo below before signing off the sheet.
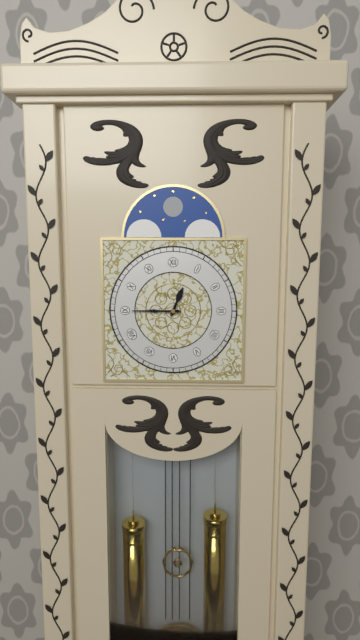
12:45
